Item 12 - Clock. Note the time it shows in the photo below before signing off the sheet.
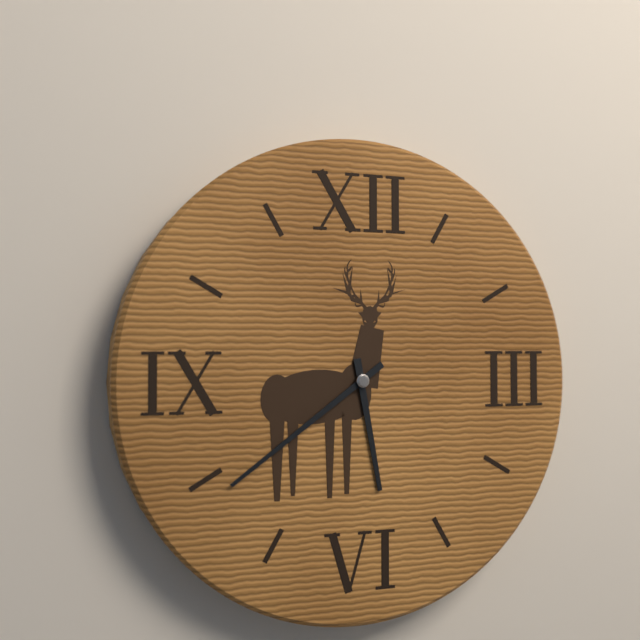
5:39
